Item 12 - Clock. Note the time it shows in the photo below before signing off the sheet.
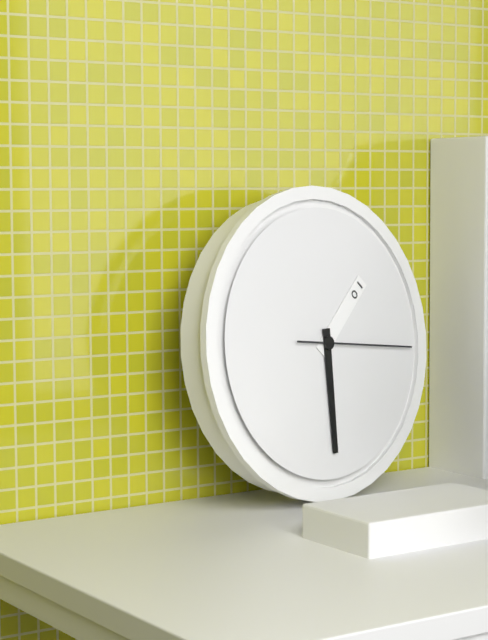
1:30:16
